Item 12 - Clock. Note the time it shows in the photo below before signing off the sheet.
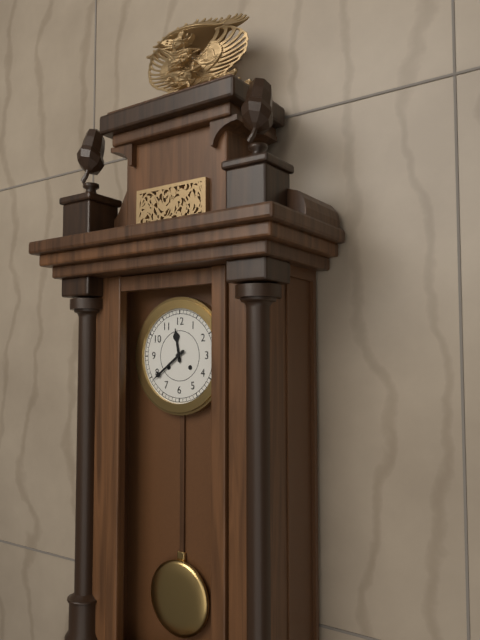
11:39
